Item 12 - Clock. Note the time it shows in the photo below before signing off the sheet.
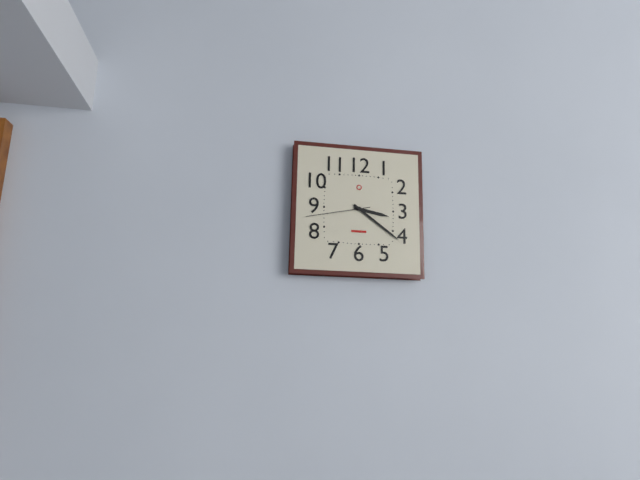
3:21:43
